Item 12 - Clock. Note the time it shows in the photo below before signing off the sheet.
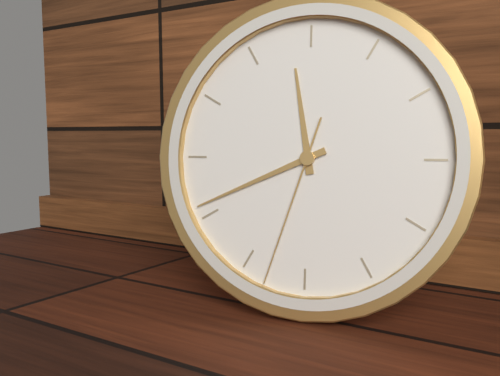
11:41:33
